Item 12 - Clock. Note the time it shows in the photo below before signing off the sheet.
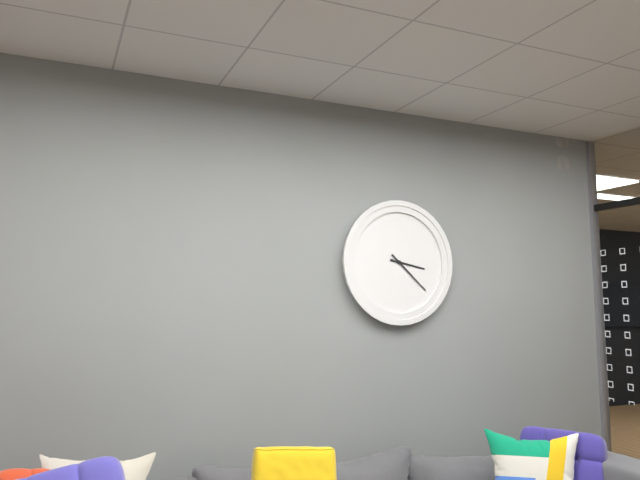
3:22
